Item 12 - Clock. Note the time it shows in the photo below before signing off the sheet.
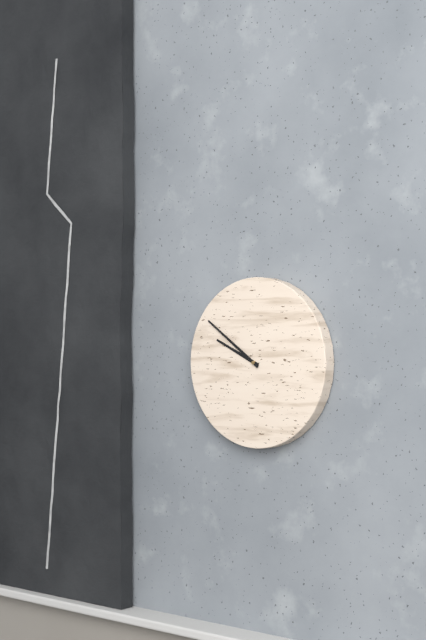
9:51
